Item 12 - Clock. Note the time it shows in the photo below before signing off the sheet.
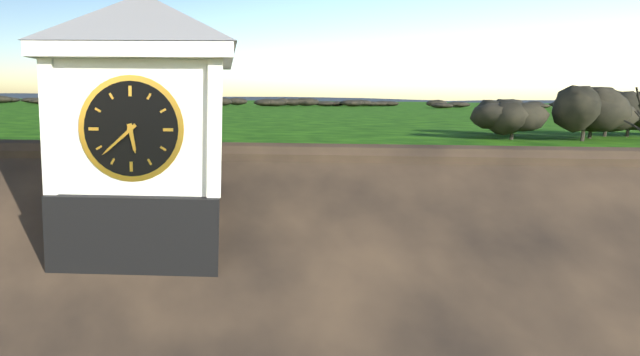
5:38
